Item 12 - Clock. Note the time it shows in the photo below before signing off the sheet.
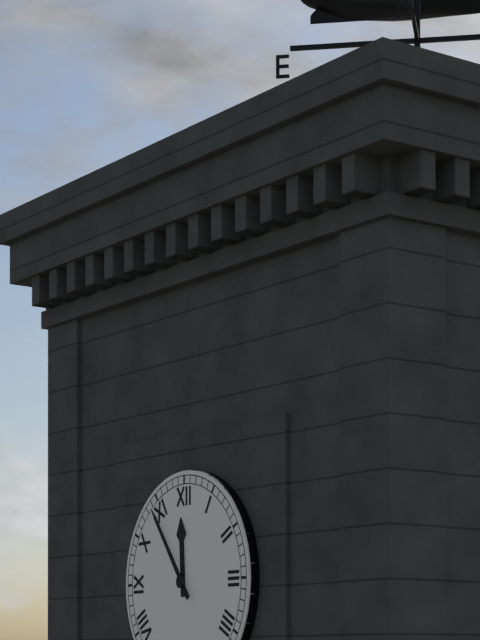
11:54
